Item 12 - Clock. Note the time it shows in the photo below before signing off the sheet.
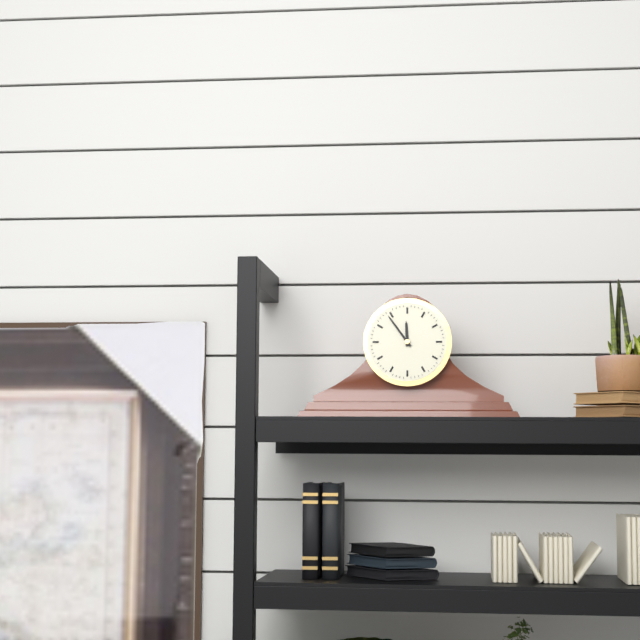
11:54
